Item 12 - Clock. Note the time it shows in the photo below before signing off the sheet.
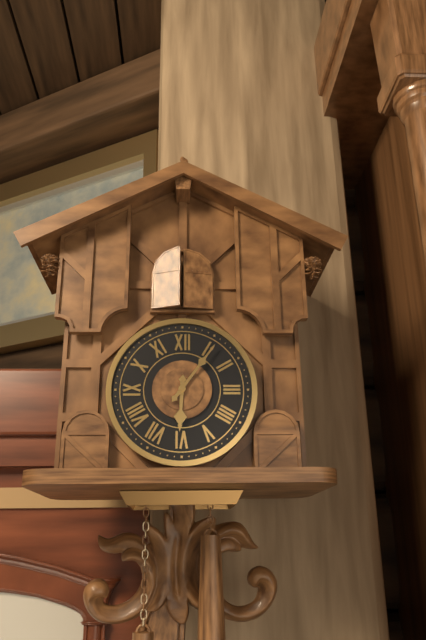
6:06
